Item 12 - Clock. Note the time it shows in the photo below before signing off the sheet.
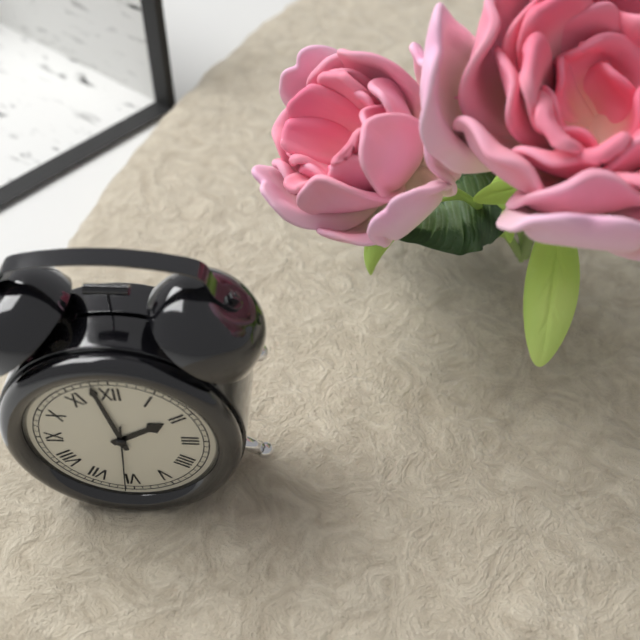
1:58:31
